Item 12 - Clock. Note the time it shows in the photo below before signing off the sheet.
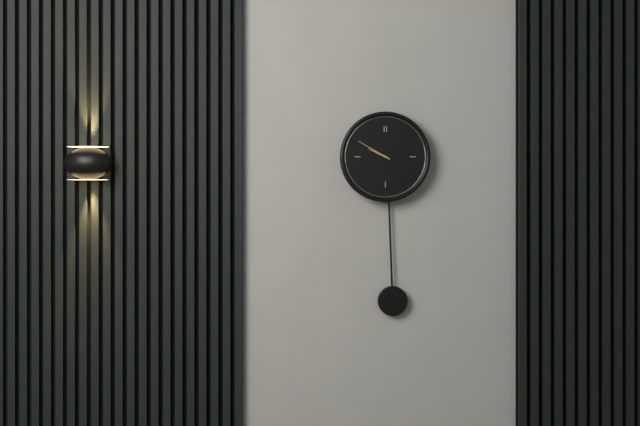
9:50
